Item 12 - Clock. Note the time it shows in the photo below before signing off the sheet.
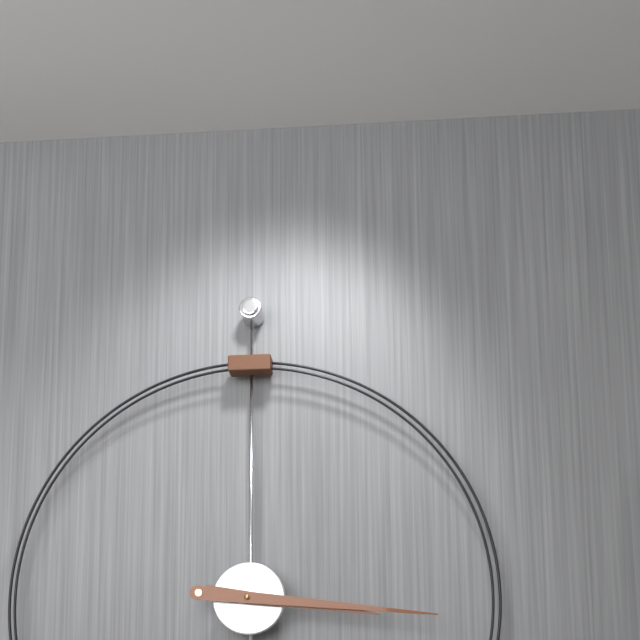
3:16
